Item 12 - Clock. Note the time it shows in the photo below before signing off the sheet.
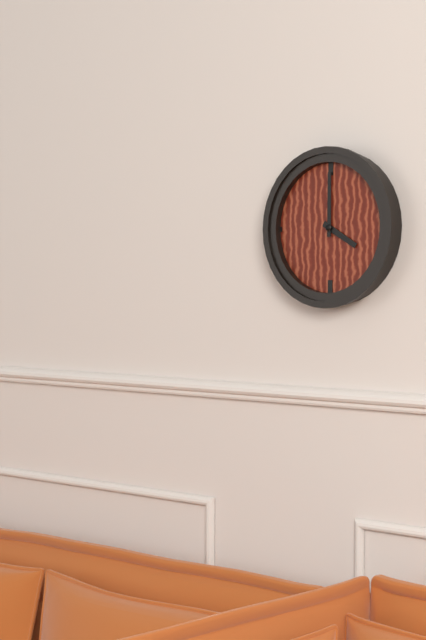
4:00
